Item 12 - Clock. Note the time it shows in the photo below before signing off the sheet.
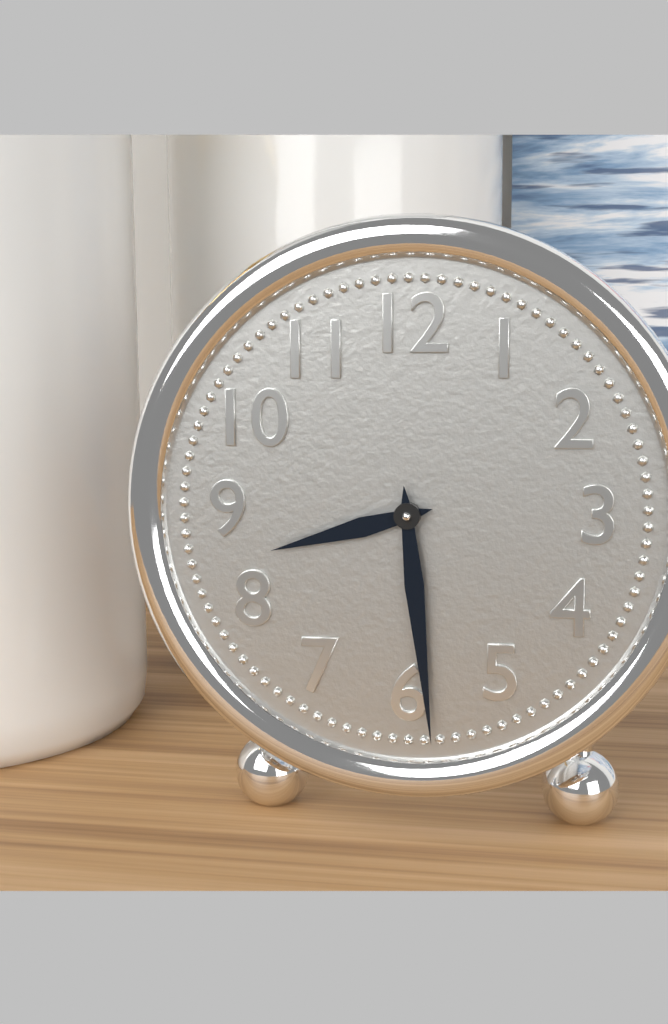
8:29
